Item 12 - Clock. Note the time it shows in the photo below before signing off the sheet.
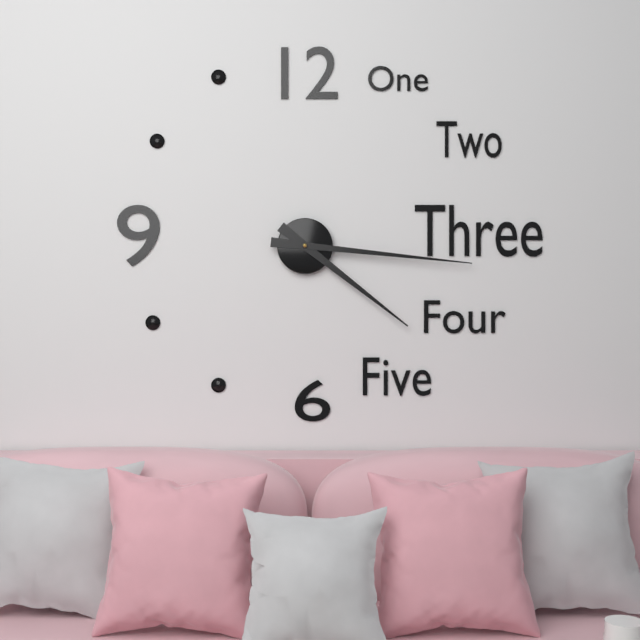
4:16
